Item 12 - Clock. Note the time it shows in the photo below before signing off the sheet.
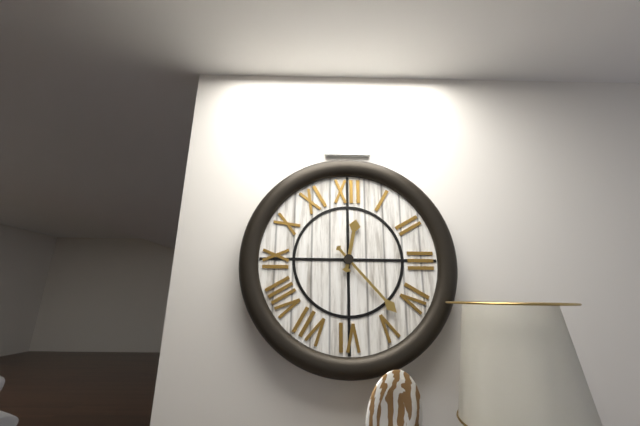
12:23
